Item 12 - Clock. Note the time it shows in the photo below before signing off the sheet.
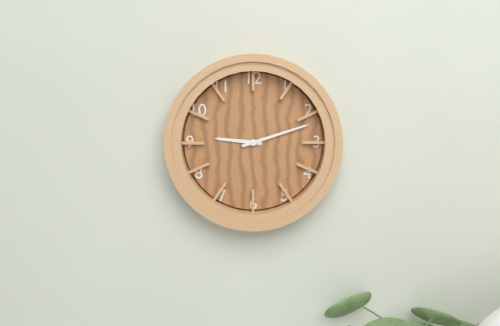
9:12
